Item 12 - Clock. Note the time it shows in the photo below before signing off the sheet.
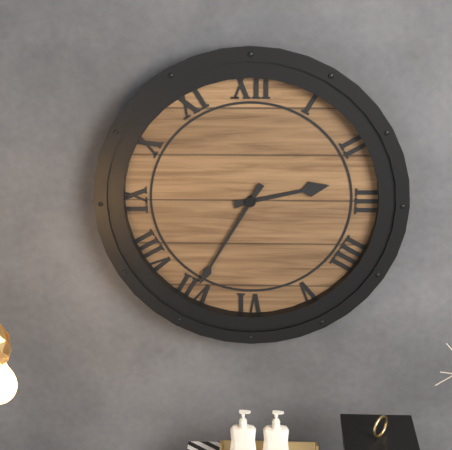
2:35
